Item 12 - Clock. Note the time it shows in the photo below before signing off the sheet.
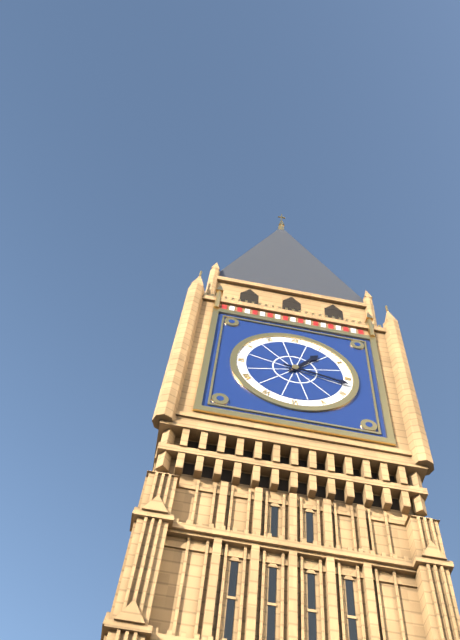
1:17
